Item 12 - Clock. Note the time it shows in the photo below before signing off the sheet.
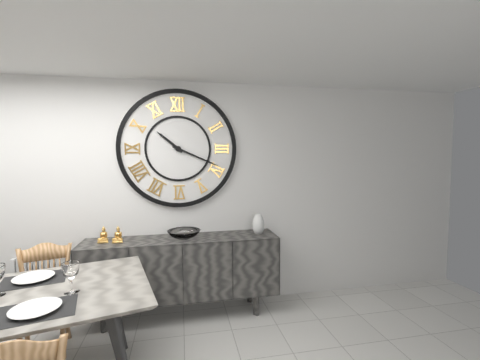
10:19
